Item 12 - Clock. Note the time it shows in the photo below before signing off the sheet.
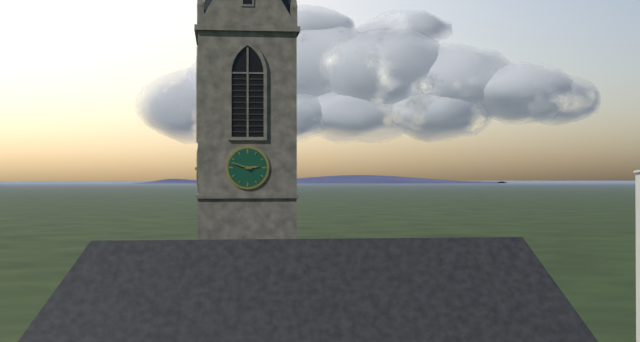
2:48
